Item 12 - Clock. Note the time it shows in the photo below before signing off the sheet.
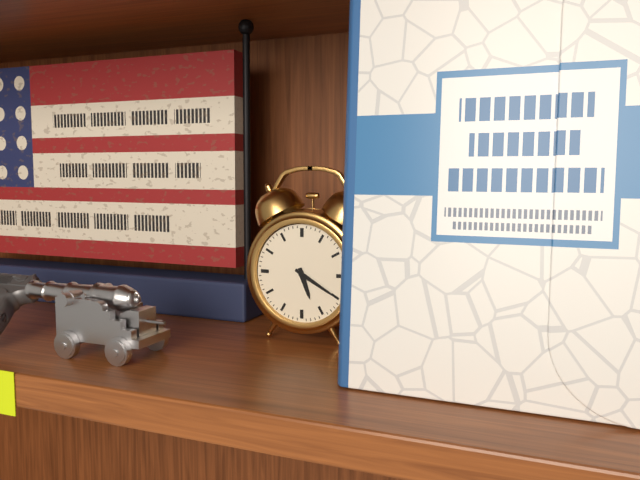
5:20
